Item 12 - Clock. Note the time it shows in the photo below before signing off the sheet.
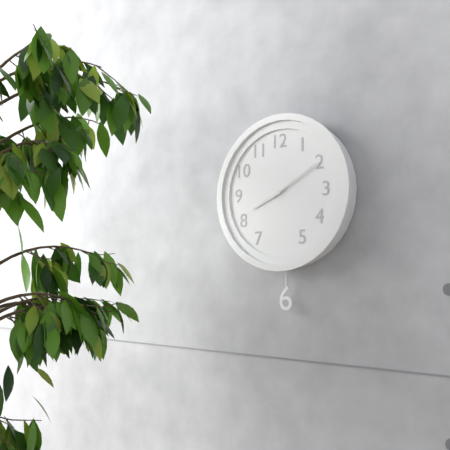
8:10
